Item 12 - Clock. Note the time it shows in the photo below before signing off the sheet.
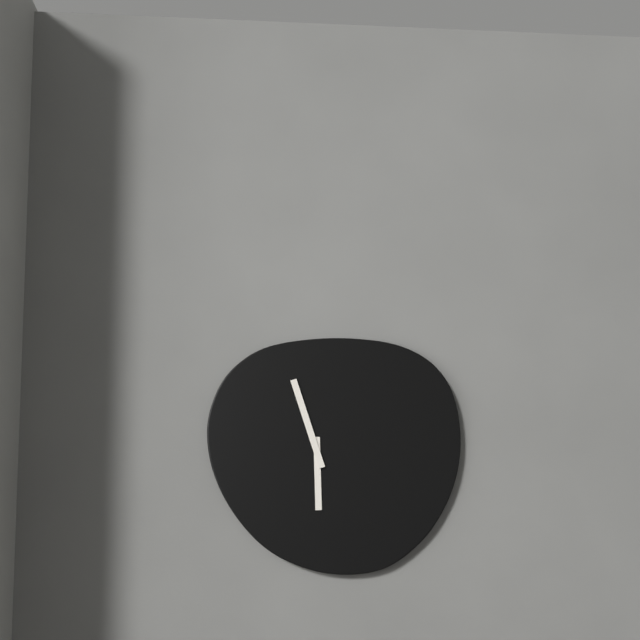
5:57
